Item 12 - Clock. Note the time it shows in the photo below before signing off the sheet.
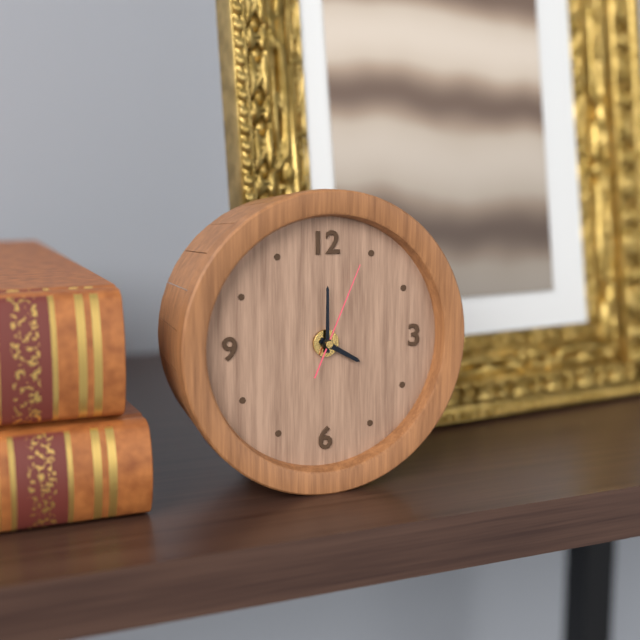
4:00:04
